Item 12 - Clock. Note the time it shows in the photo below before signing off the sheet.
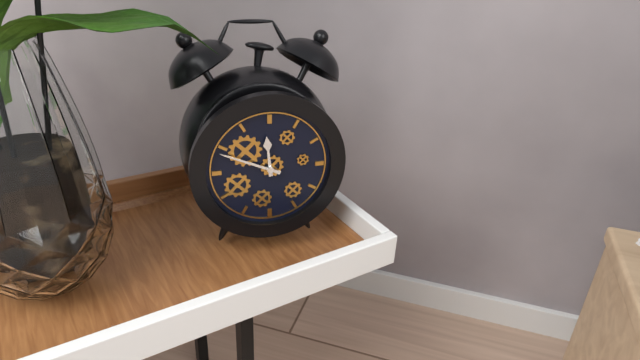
11:49
